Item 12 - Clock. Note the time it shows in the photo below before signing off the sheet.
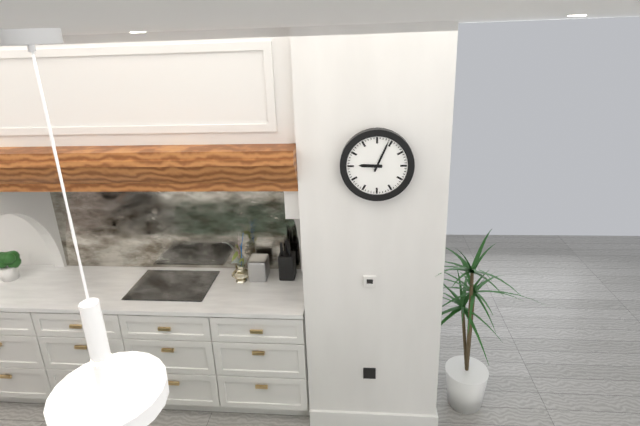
9:04
